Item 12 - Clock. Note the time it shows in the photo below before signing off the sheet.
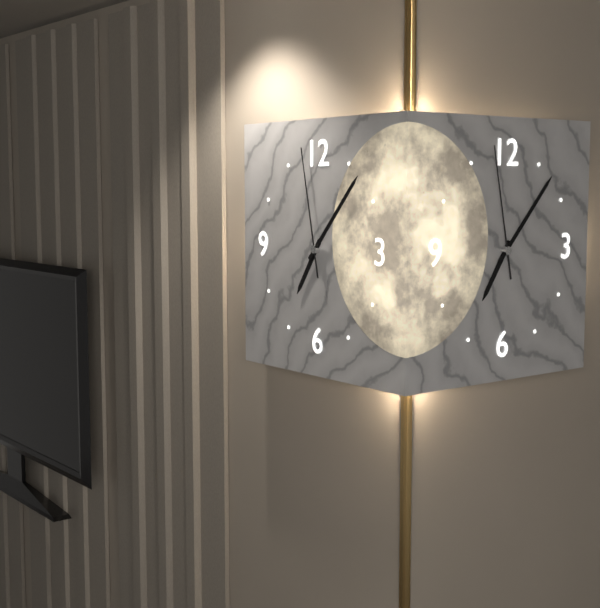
7:07:58
